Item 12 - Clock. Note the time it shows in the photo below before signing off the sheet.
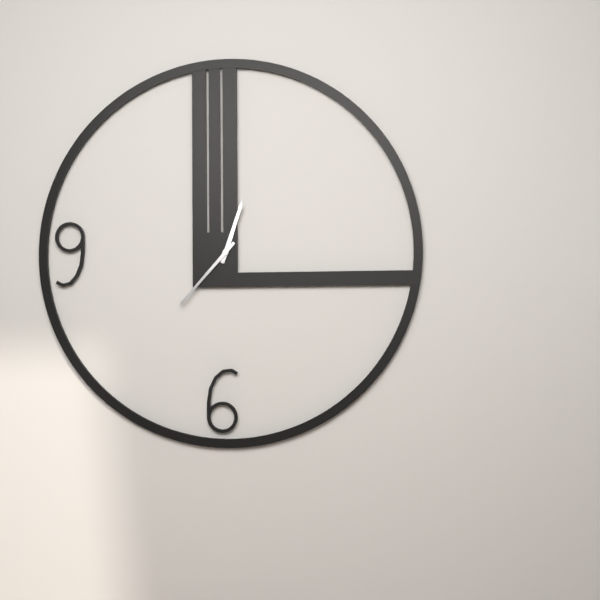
12:37
